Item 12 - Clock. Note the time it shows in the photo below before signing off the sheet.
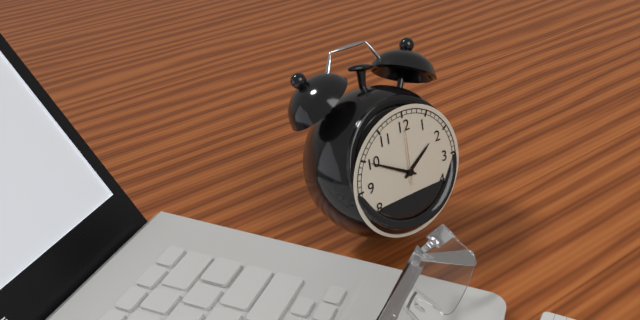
1:50:00
